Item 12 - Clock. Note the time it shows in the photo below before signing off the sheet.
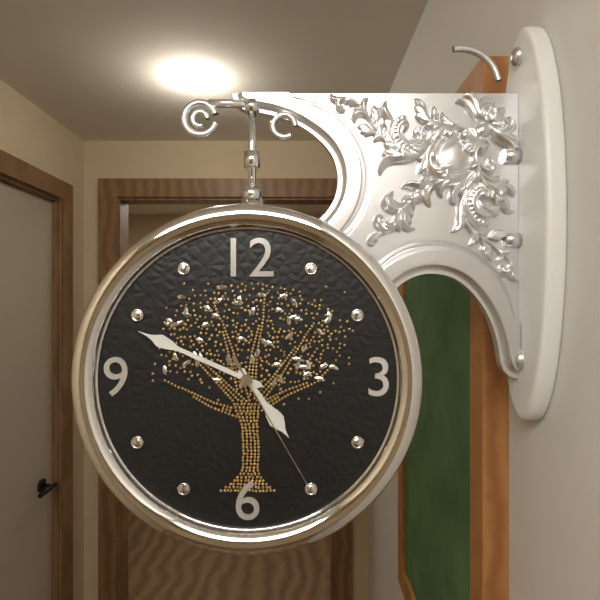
4:49:25
